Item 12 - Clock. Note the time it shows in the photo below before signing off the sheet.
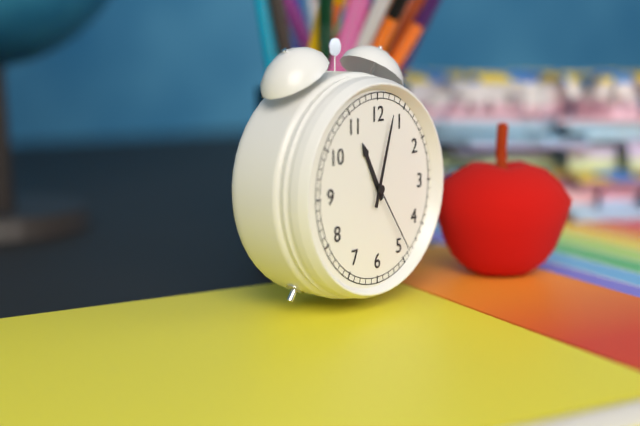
11:03:24
